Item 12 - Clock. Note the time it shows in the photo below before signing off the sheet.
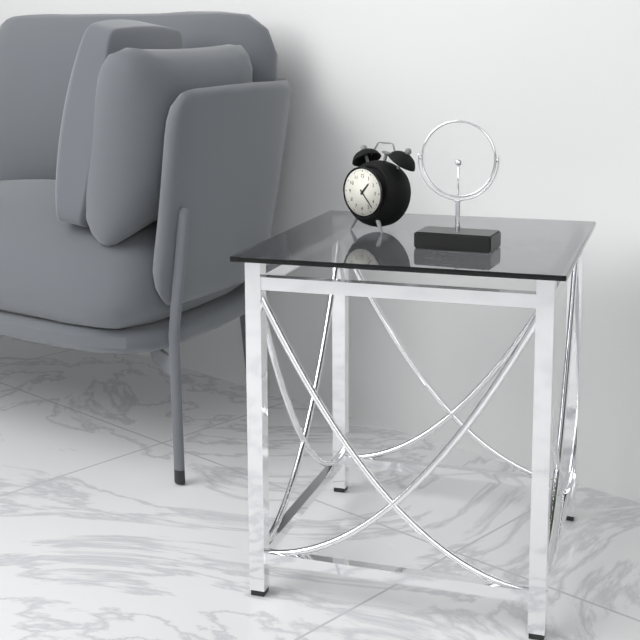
1:23
